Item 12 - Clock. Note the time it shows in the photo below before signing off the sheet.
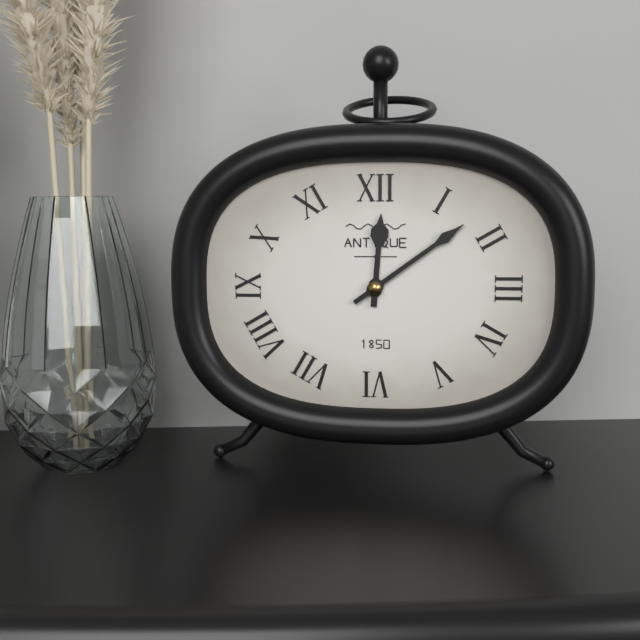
12:09
